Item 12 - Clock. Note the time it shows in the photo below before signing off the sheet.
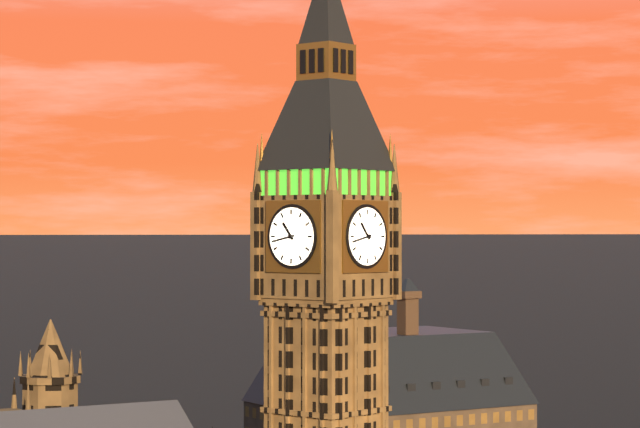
10:43
